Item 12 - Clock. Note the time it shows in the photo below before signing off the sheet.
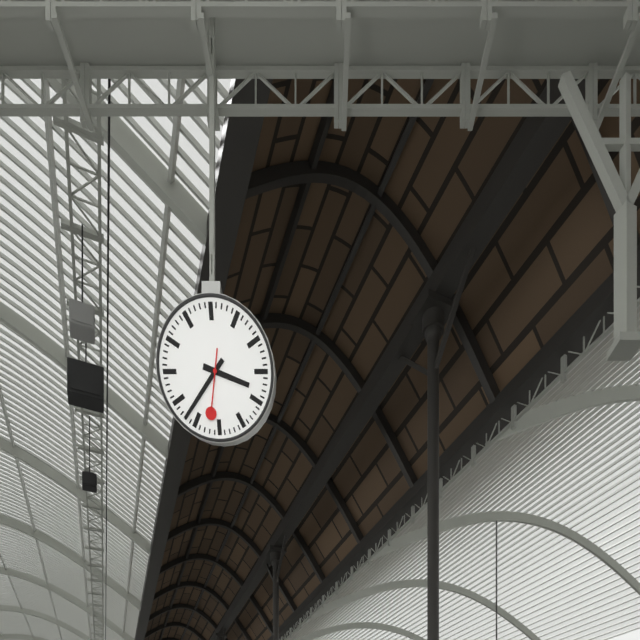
3:37:32
